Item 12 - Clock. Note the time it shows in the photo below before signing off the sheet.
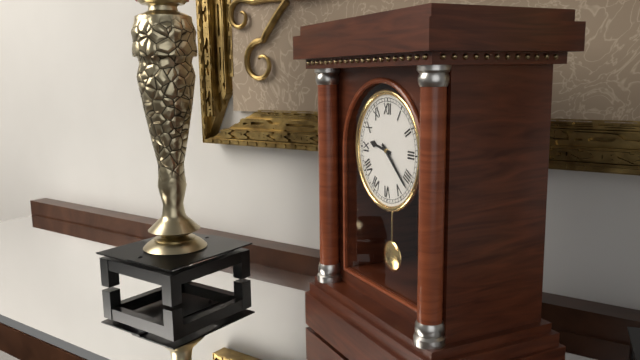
9:22
